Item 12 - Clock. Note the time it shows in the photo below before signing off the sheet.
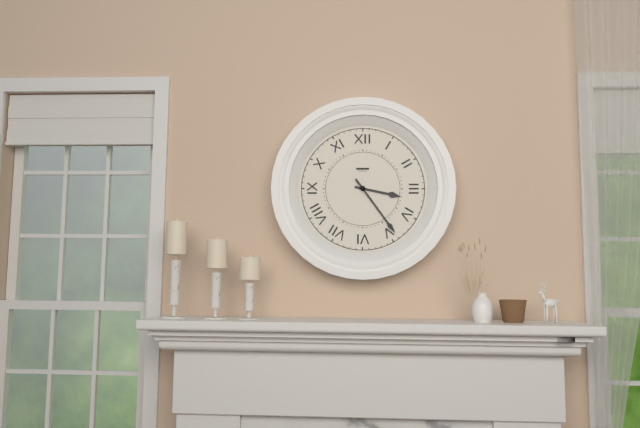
3:24
